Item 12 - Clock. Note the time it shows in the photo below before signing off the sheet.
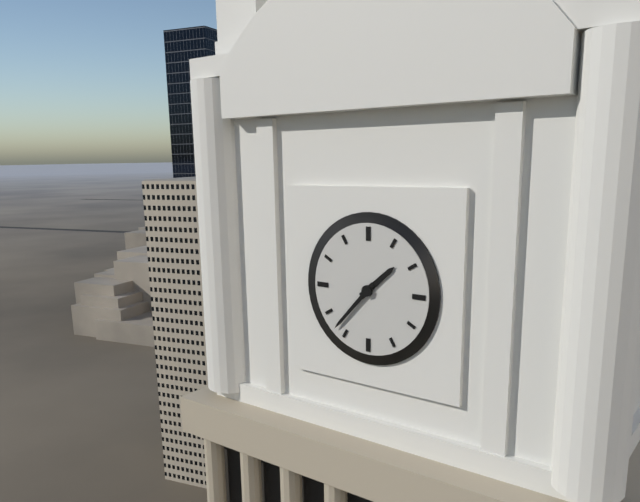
1:37
